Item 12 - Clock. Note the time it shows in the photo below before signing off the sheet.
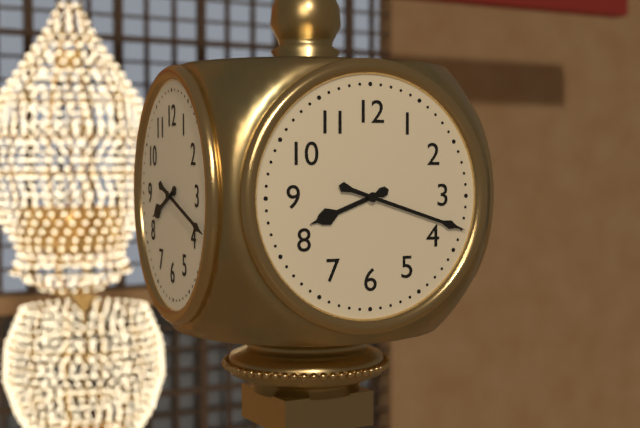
8:18
